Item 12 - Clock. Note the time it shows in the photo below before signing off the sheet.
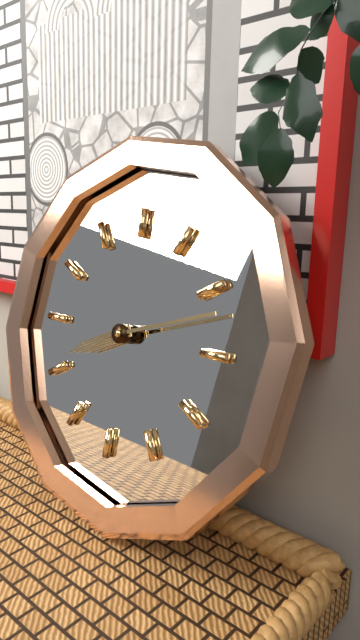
8:12
